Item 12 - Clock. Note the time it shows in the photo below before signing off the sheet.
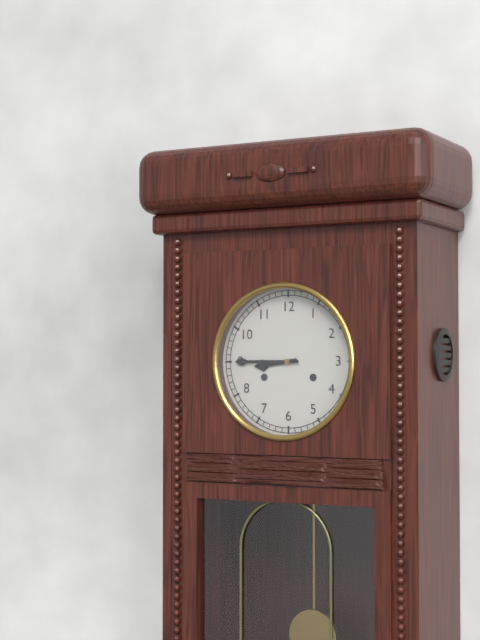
8:45
